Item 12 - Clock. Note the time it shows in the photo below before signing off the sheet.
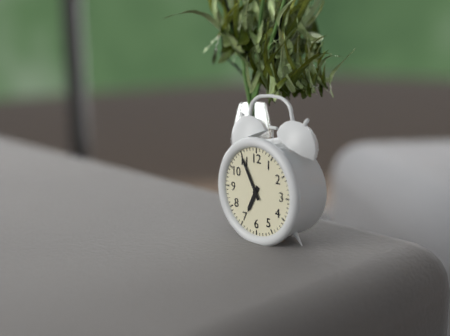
6:55
